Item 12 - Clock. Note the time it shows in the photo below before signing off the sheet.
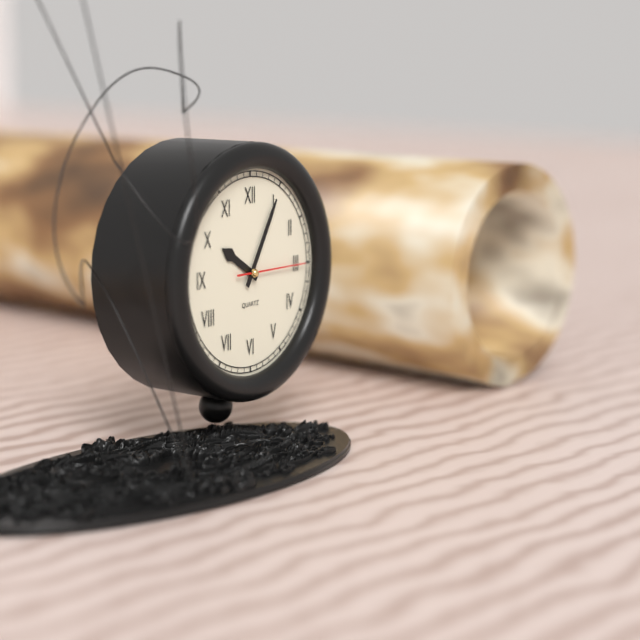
10:05:15
